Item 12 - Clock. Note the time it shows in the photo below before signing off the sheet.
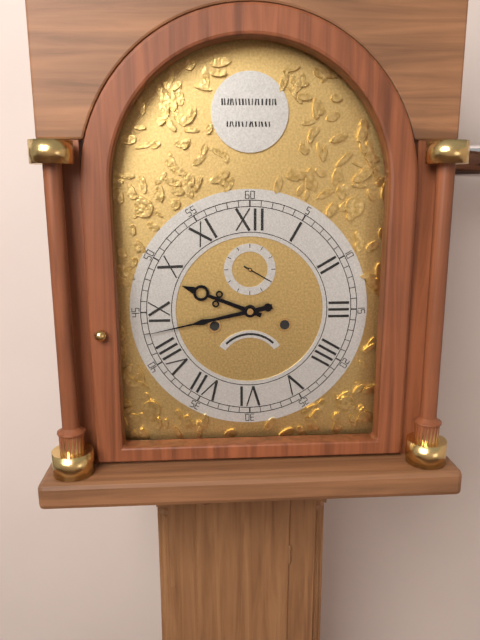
9:43
